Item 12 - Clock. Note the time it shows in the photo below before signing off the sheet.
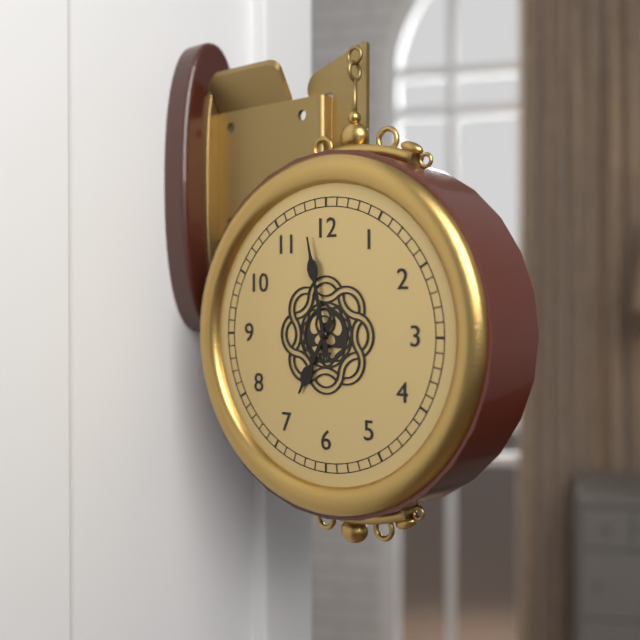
6:58
